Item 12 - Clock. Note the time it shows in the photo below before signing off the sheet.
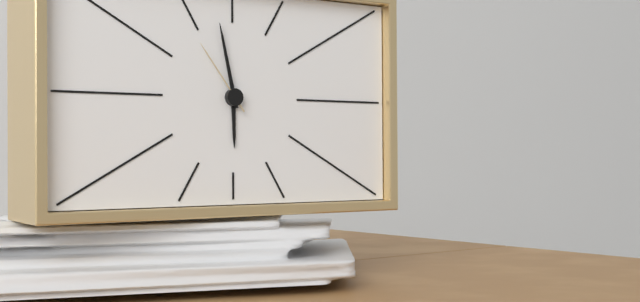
5:58:54
